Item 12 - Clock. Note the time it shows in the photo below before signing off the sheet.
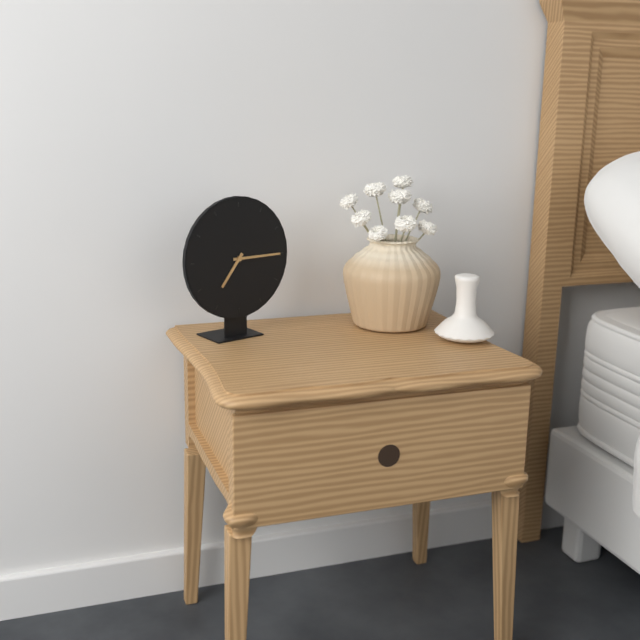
7:15
